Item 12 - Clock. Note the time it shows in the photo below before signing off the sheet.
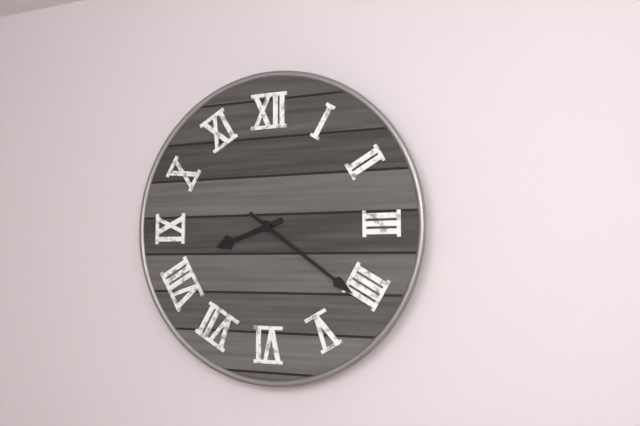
8:21
